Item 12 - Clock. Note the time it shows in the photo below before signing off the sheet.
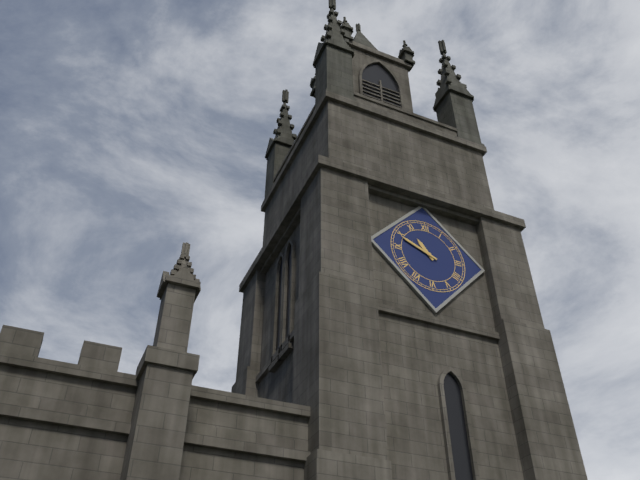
10:49
